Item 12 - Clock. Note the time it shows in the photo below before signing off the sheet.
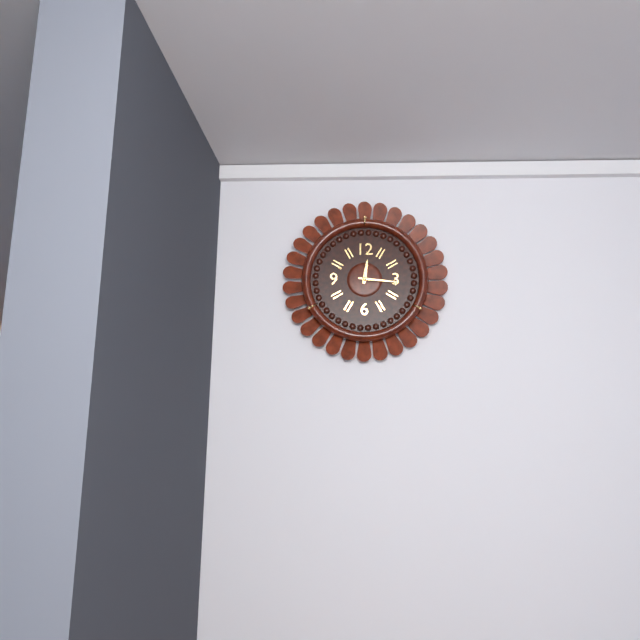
12:16
